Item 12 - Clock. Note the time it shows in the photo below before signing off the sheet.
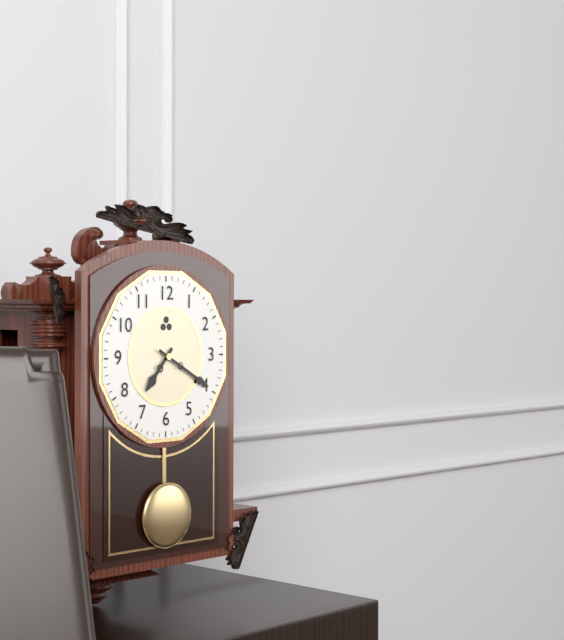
7:20
